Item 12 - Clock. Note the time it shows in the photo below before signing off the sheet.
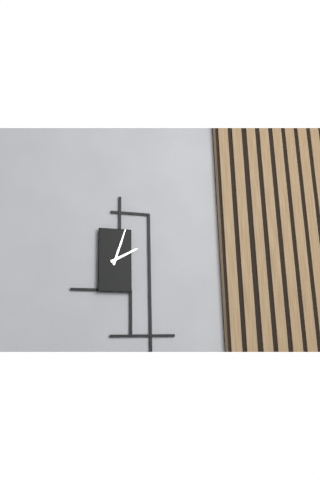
2:03
